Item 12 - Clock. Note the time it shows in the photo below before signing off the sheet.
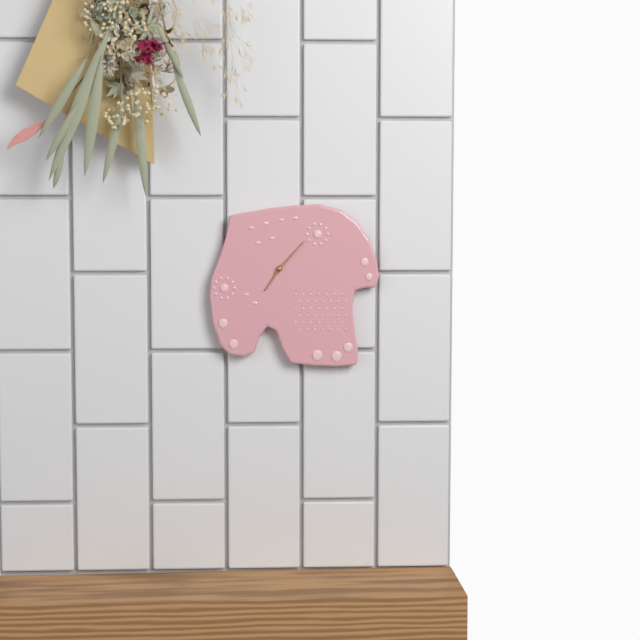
7:07
